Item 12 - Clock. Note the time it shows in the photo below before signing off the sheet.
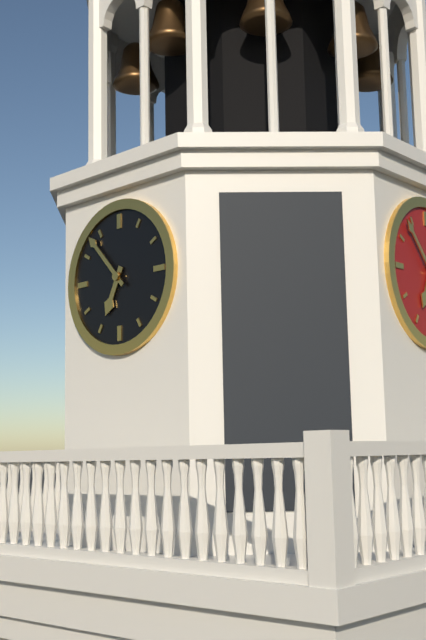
6:53
